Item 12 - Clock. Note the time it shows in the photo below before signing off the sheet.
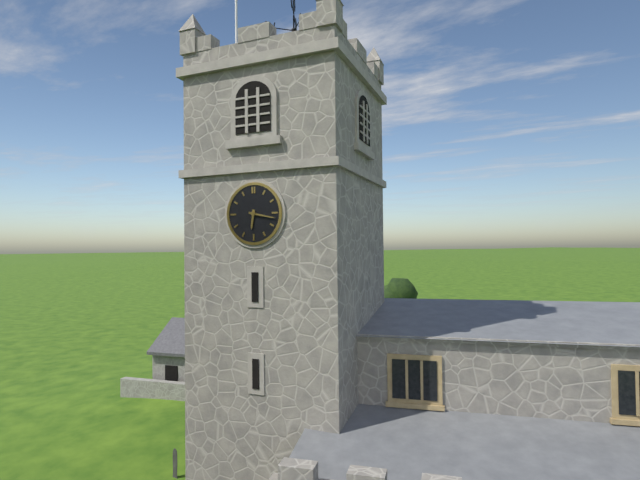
6:17
